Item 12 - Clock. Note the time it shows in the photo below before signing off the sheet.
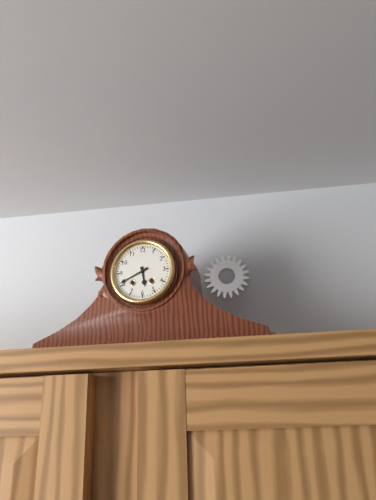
5:41
